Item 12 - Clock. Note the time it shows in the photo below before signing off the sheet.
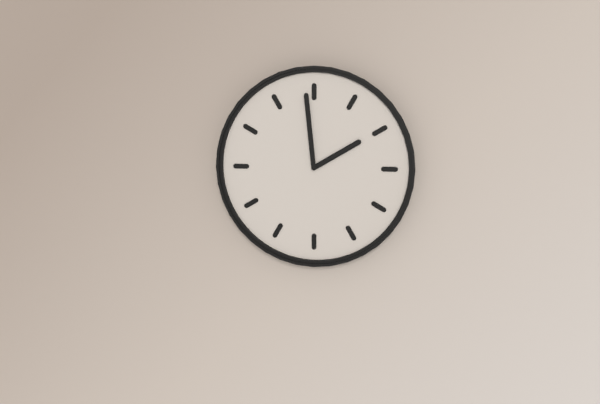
1:59
